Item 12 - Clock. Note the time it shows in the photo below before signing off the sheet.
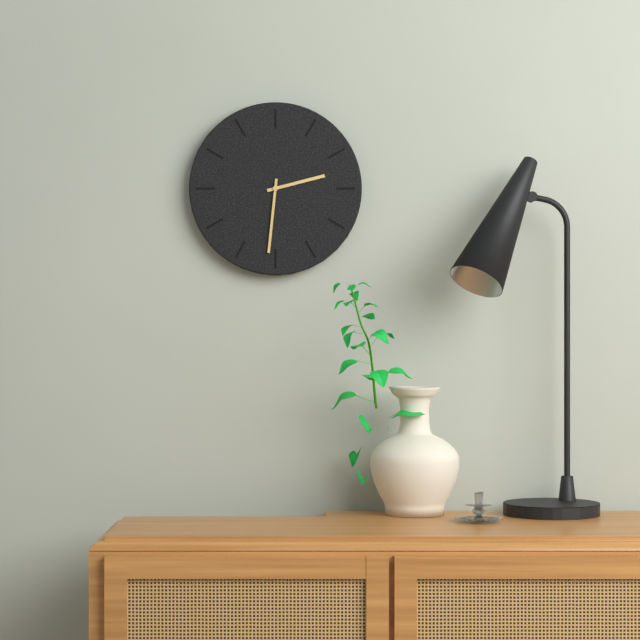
2:31
